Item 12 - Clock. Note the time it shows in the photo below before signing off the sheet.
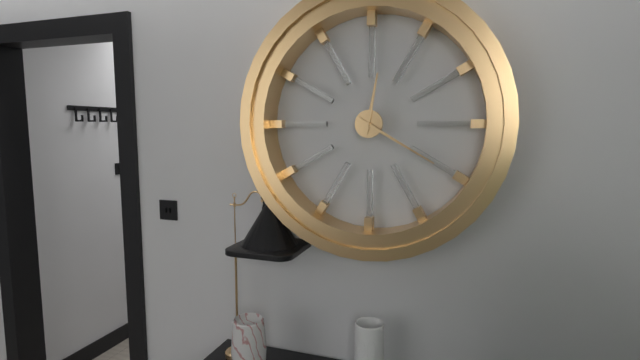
12:20
